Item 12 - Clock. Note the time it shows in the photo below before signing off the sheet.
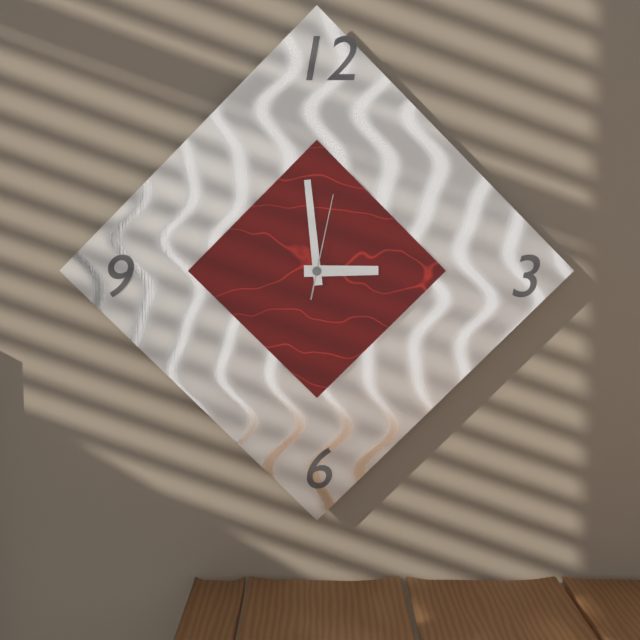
2:59:02
